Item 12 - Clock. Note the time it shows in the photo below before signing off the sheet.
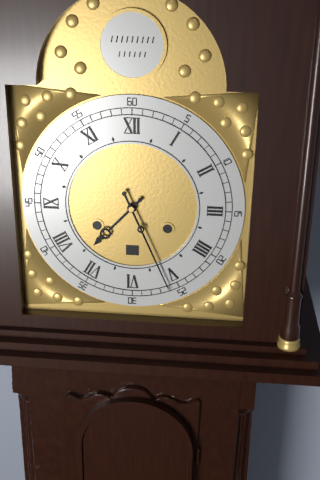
7:26
